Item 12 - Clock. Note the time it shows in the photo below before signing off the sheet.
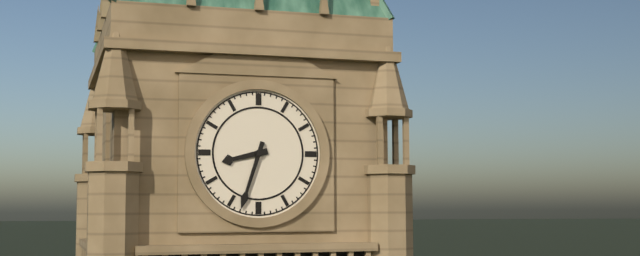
8:33
